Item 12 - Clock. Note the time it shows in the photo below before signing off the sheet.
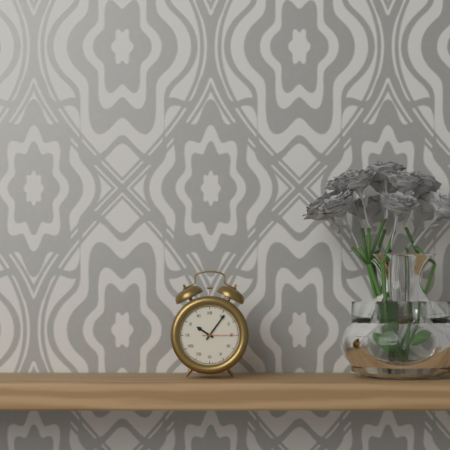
10:06
